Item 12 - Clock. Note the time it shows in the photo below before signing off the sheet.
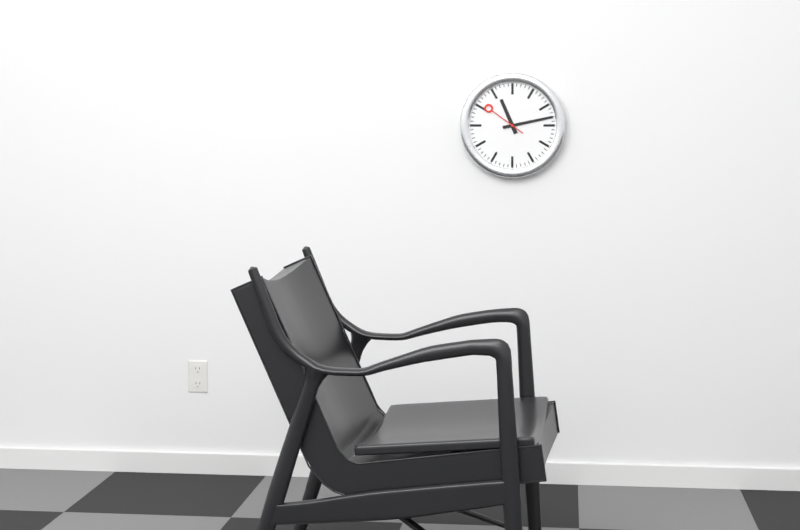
11:13
